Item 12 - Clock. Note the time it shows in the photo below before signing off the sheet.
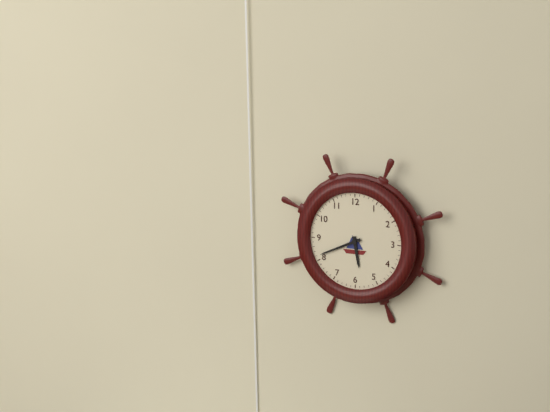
5:41
